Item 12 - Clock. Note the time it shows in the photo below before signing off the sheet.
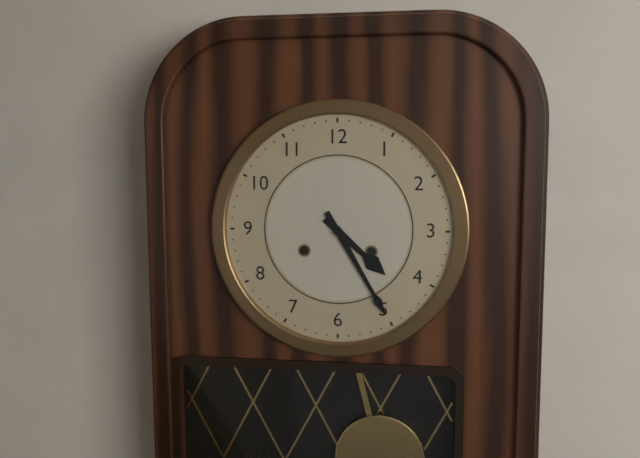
4:25
